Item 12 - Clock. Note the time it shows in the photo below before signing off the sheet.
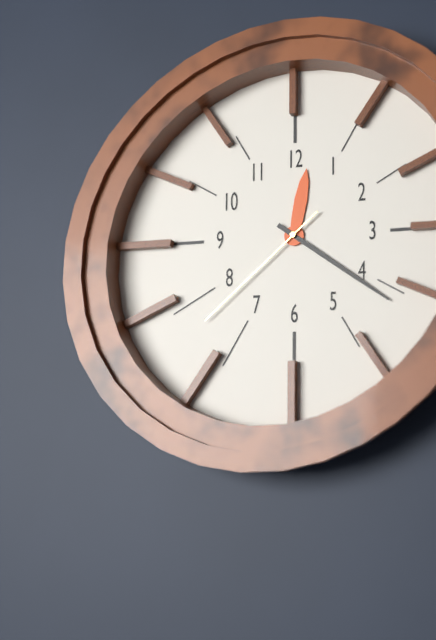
12:21:38
